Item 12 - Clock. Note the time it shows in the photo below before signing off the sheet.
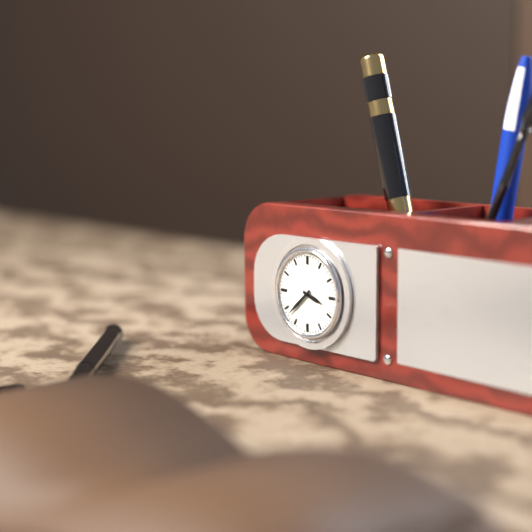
3:38
